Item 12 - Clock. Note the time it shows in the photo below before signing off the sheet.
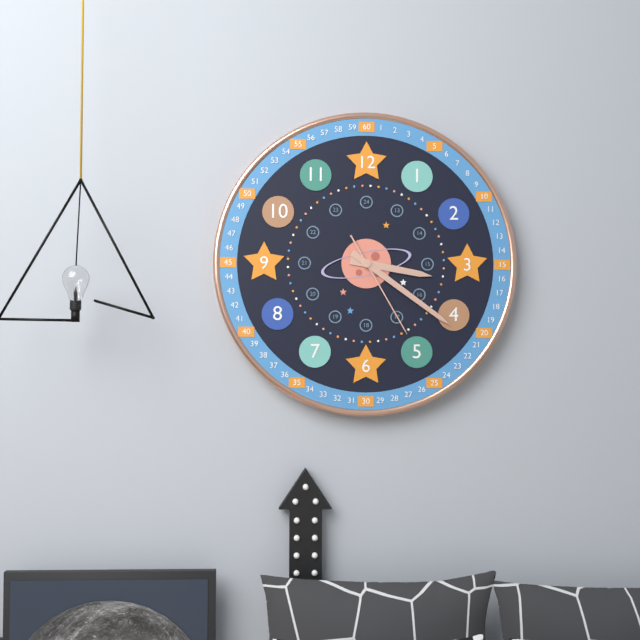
3:21:25
